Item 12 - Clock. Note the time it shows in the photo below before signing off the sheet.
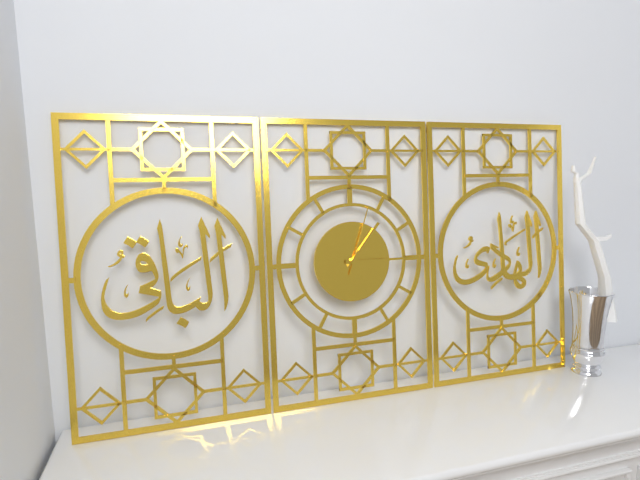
1:15:03
